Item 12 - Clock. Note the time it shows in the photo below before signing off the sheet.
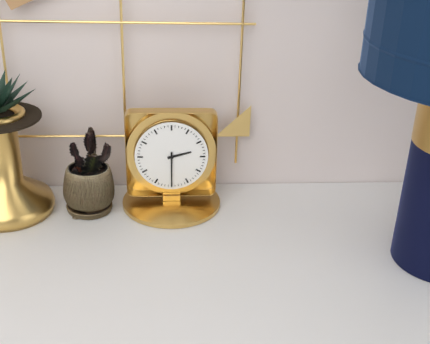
2:30
